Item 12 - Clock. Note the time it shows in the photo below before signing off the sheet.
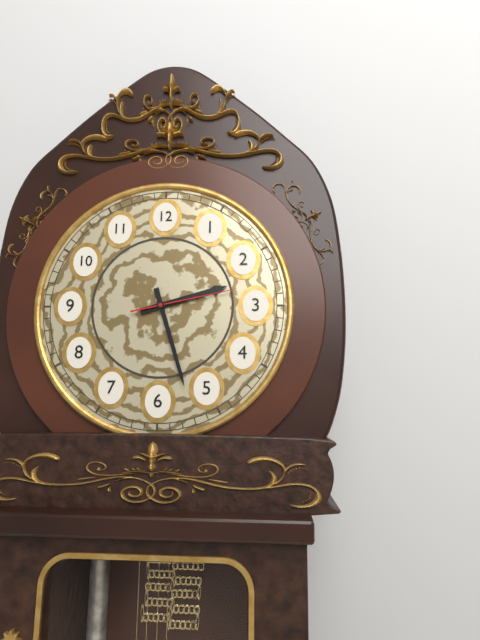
2:27:13
